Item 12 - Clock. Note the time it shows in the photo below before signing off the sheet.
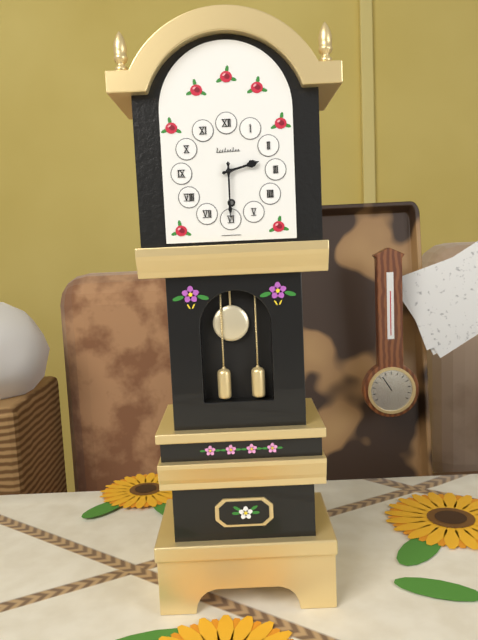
2:30
